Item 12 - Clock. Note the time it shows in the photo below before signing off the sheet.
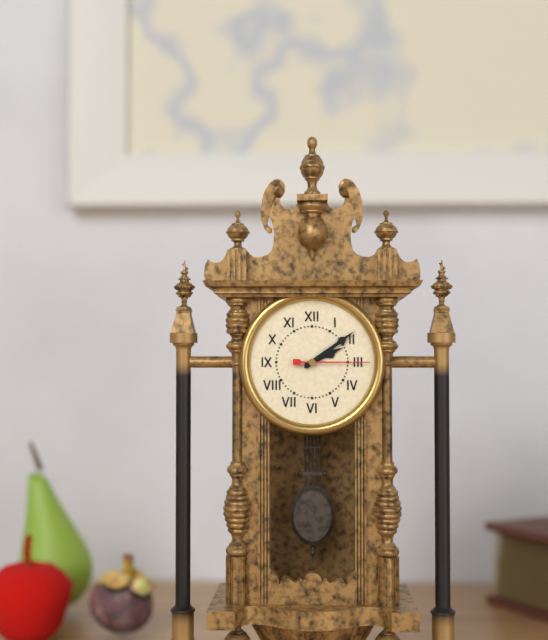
2:09:15
